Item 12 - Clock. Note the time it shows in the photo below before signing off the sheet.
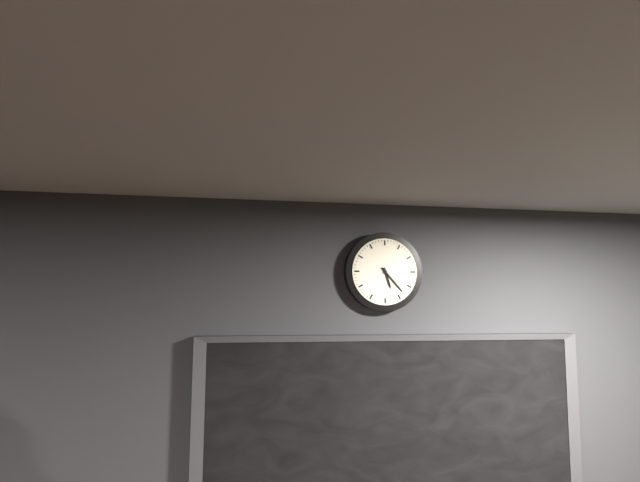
5:23
